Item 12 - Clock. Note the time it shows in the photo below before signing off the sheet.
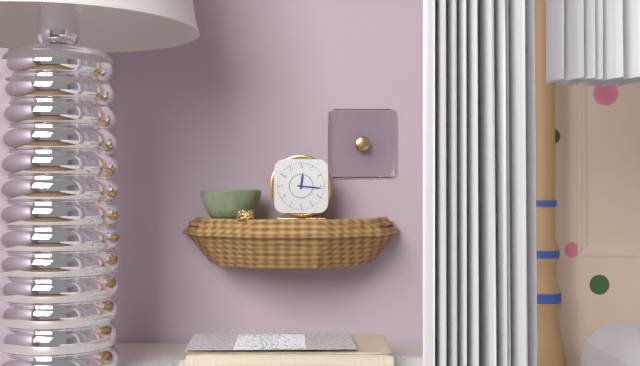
12:16
